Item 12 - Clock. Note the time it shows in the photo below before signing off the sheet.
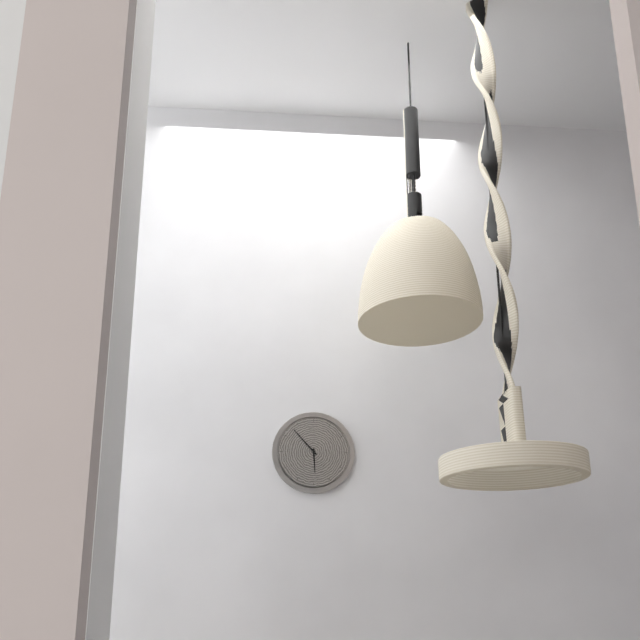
5:53
